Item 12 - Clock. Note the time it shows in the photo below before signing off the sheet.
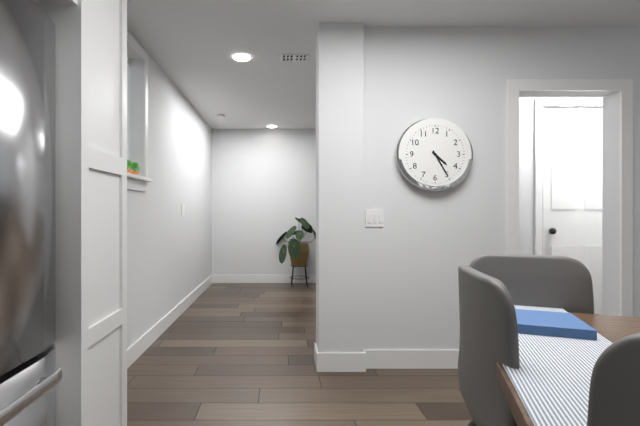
4:25
